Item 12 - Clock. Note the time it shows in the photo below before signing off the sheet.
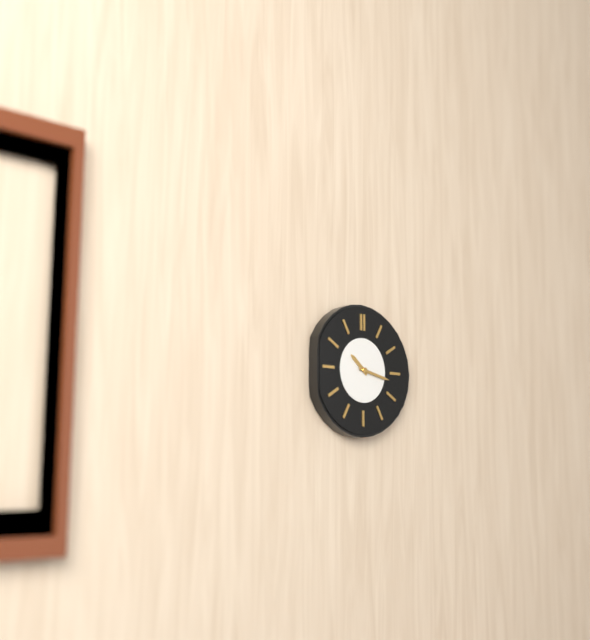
10:17
